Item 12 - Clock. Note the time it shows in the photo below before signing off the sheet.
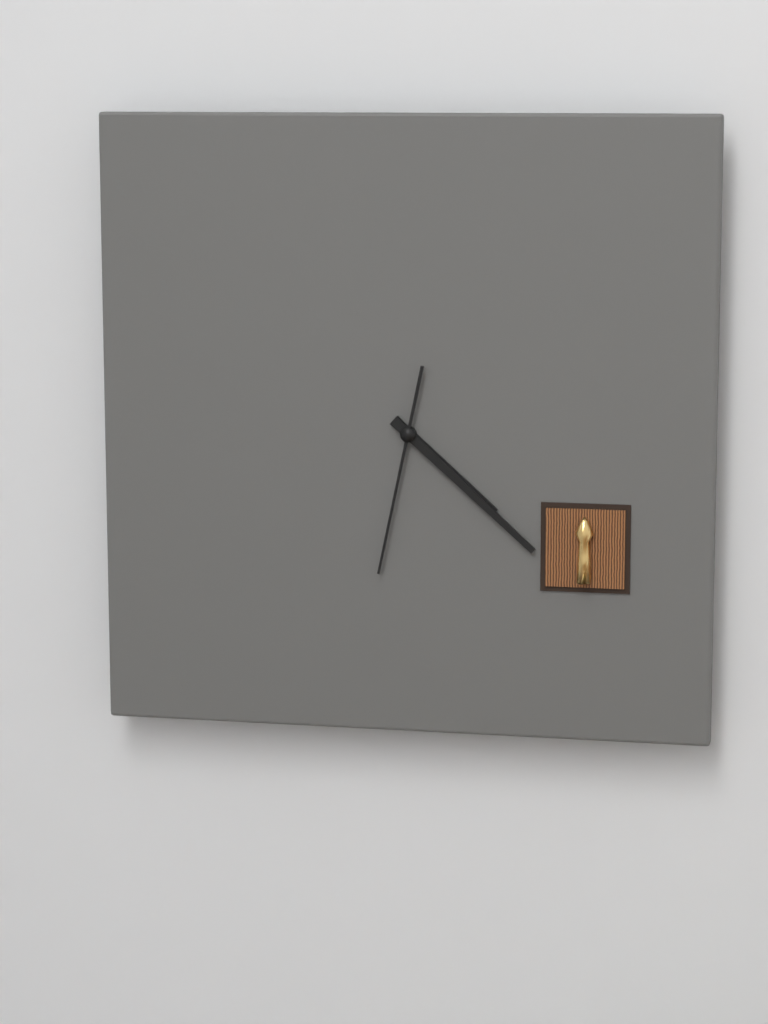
4:22:32
